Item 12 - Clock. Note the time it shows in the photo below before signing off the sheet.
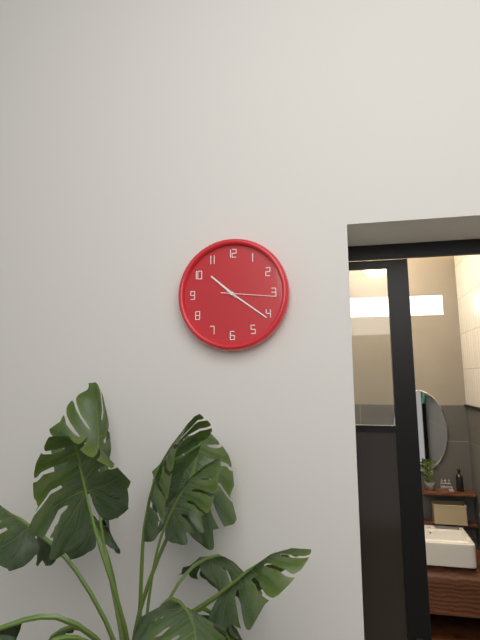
10:21:16
